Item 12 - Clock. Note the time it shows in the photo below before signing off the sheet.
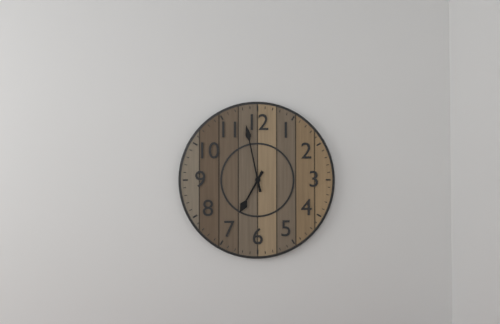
6:58
